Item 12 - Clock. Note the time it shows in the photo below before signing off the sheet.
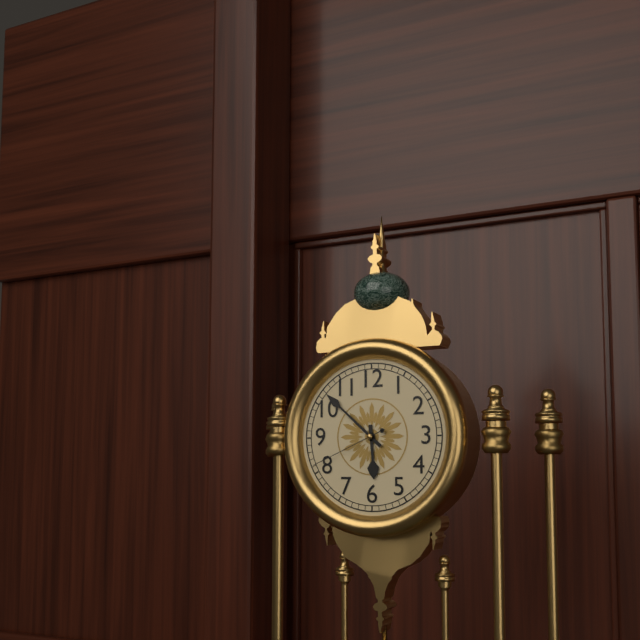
5:52:41
